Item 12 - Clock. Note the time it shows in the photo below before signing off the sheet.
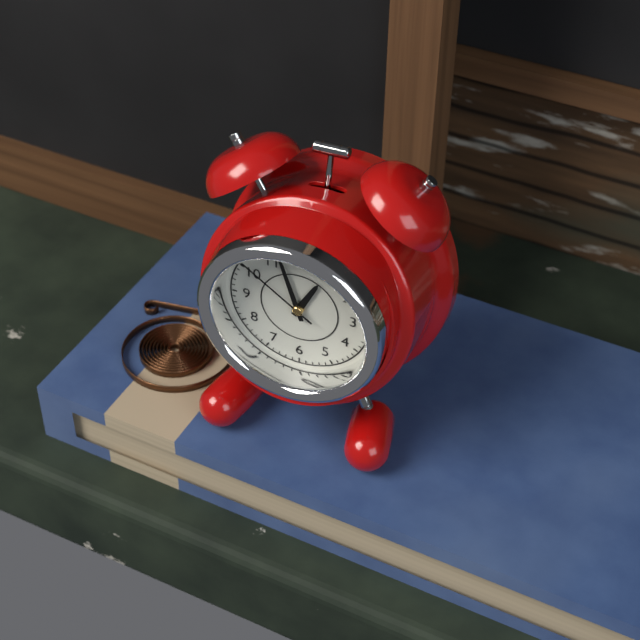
12:57:51
